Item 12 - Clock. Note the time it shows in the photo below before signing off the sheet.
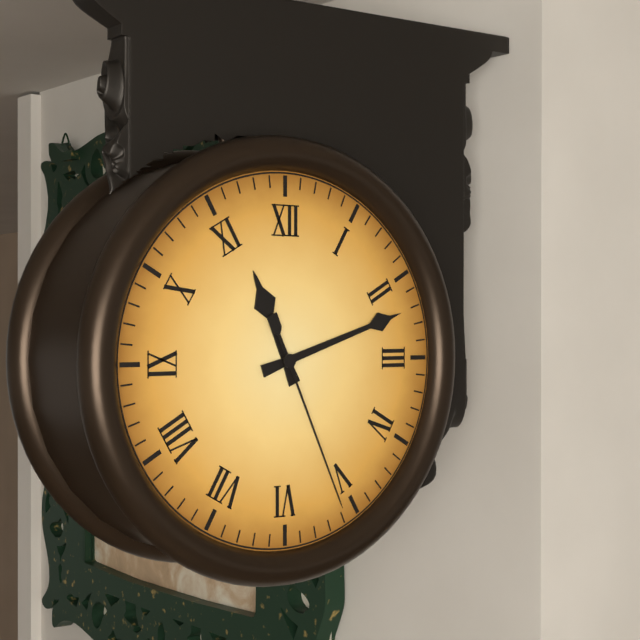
11:12:26
